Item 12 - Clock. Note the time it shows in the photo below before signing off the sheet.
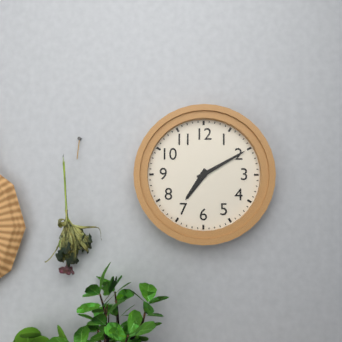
7:10
